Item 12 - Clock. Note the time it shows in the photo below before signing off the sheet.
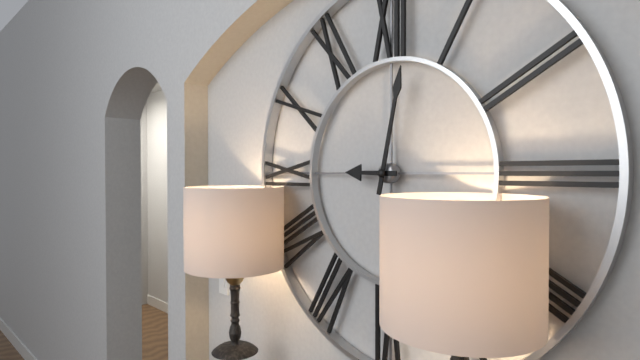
9:02
